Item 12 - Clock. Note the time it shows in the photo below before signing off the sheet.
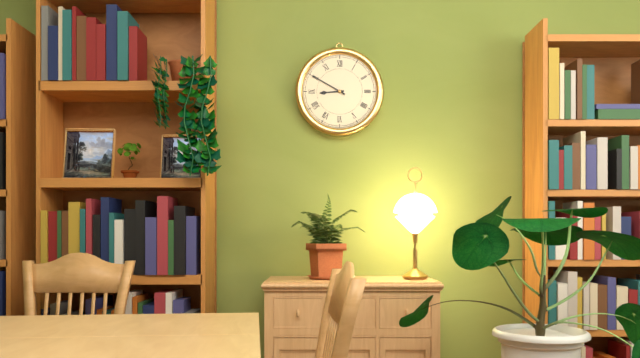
8:50
